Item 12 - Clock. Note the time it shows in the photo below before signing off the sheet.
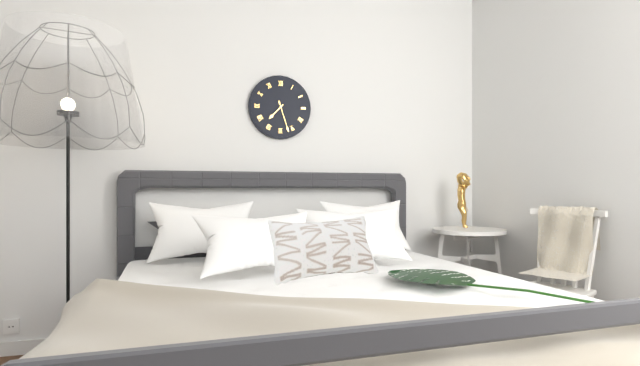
7:27
